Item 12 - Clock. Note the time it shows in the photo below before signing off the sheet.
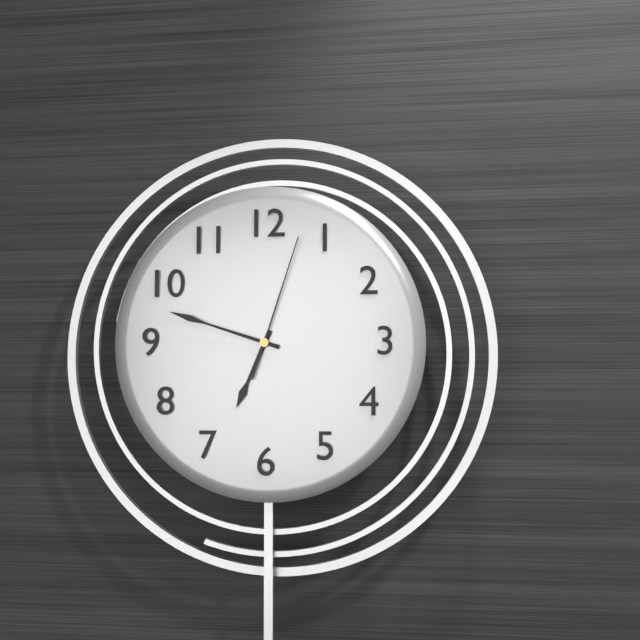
6:48:03
